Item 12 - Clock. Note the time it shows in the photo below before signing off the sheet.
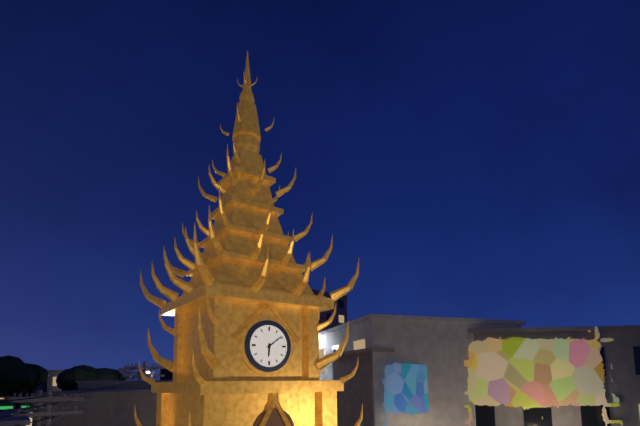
6:09
